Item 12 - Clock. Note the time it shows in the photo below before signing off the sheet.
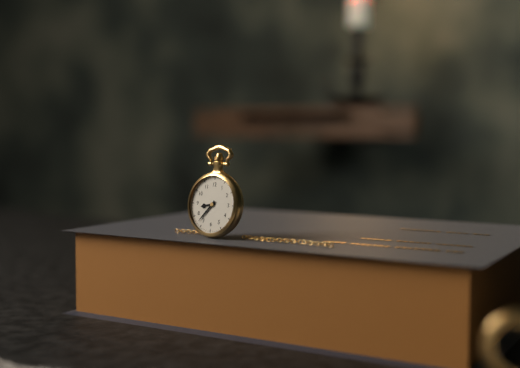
8:37
